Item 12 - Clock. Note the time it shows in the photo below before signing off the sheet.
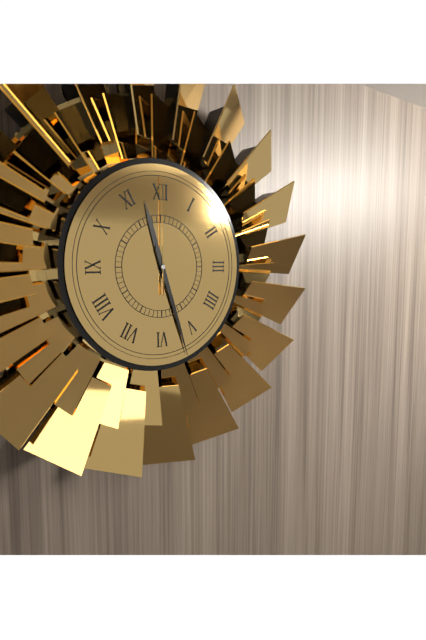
11:27:00
